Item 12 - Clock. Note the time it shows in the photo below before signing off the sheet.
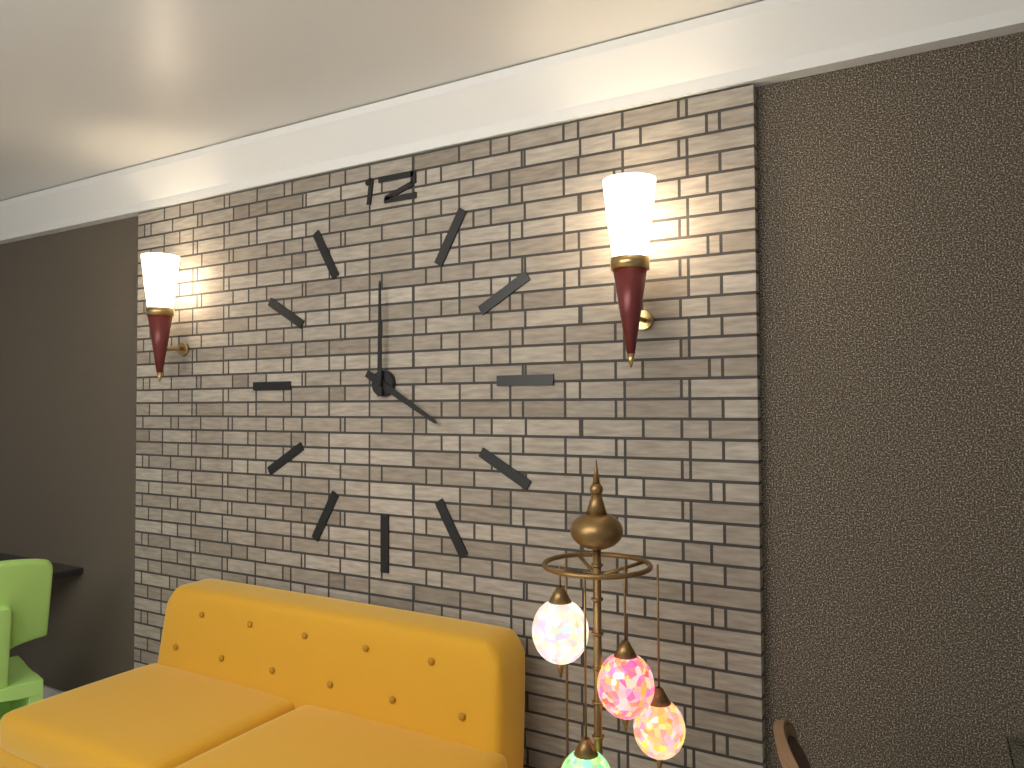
4:00
